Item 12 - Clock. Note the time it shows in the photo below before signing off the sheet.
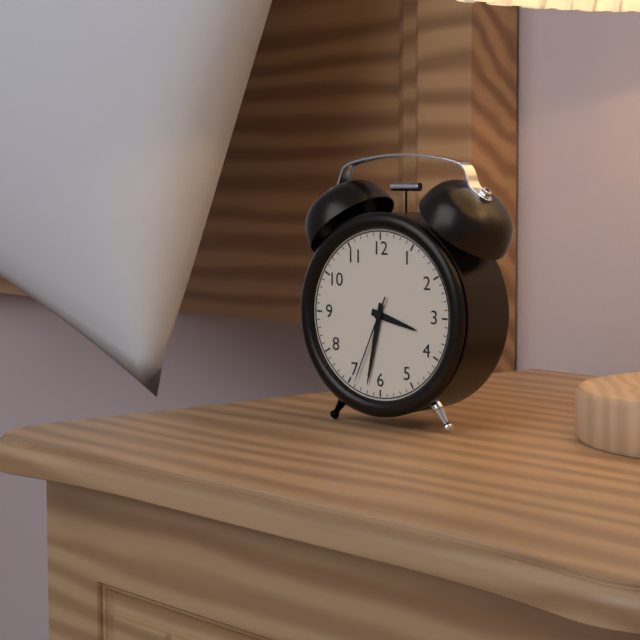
3:32:34
